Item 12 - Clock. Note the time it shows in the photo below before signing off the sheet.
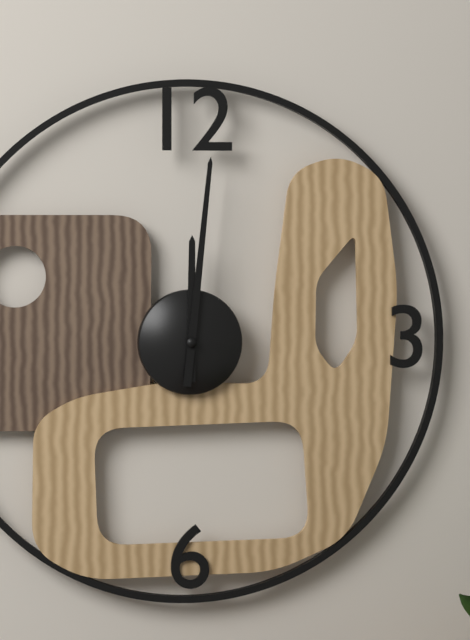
12:01
